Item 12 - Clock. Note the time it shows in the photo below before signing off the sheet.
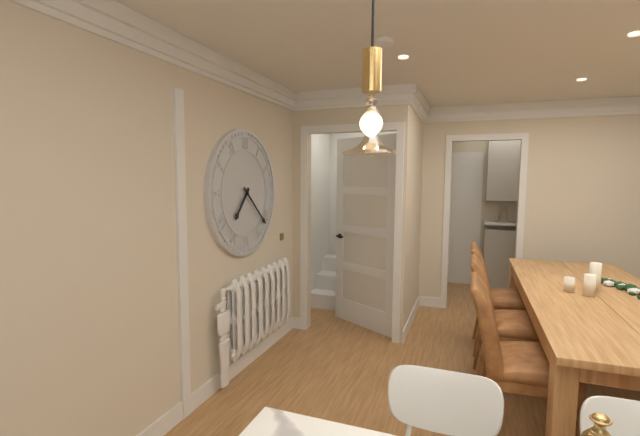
7:22
